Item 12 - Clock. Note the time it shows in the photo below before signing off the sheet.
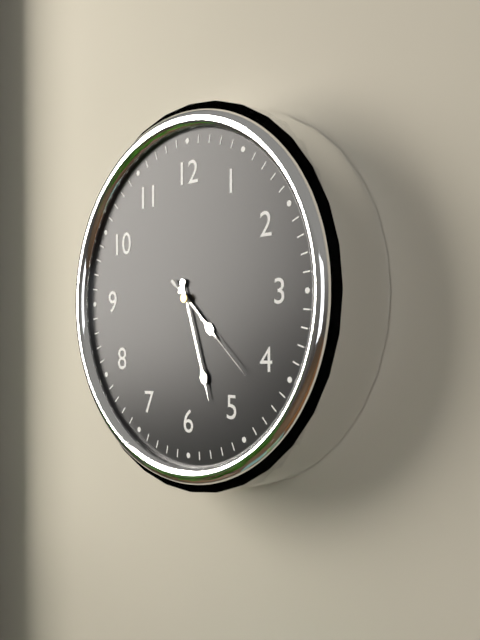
4:27:22
